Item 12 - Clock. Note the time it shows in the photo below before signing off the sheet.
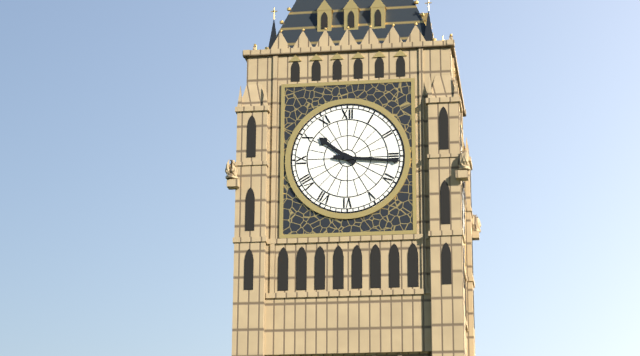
10:16
